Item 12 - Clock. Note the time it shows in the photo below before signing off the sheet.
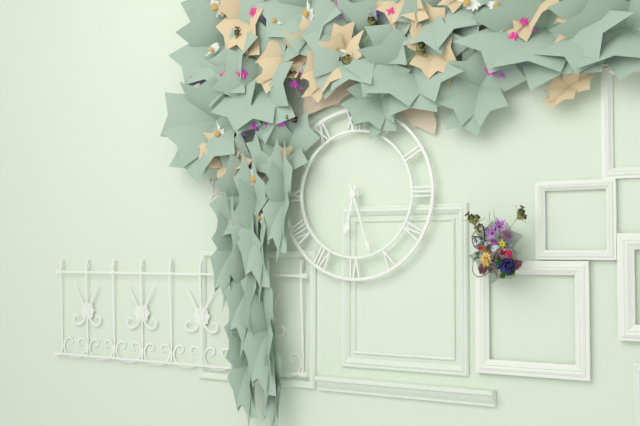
6:27
